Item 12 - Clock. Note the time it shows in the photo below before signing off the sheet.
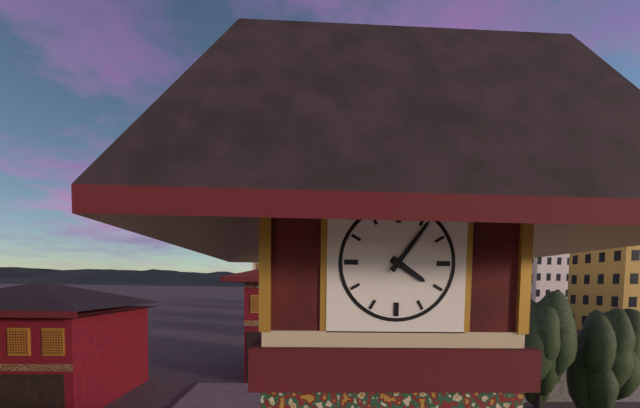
4:06
